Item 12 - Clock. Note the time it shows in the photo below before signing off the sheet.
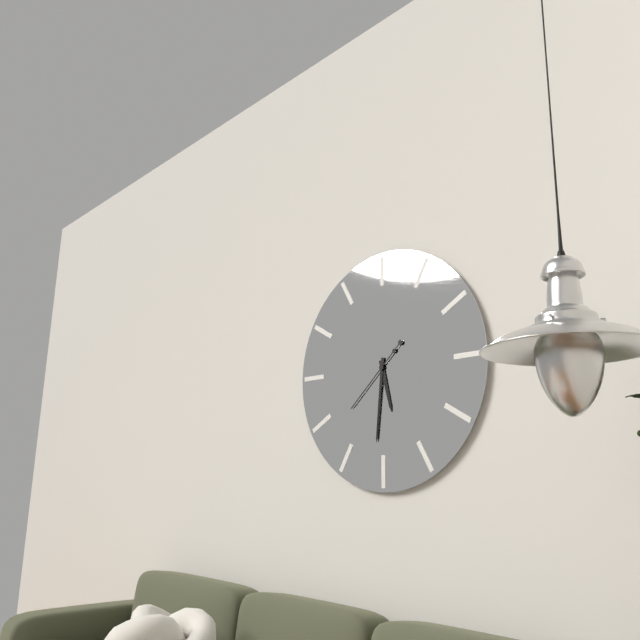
5:31:38
